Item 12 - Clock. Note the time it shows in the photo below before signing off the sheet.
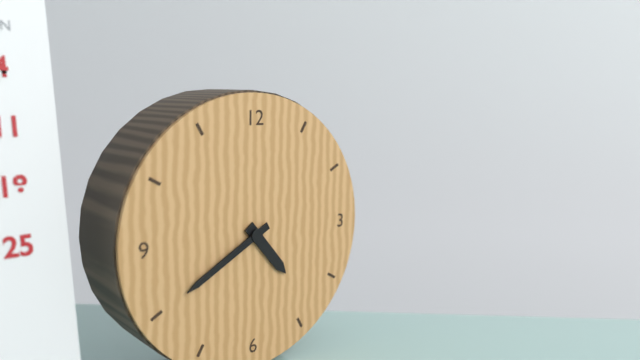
4:40
